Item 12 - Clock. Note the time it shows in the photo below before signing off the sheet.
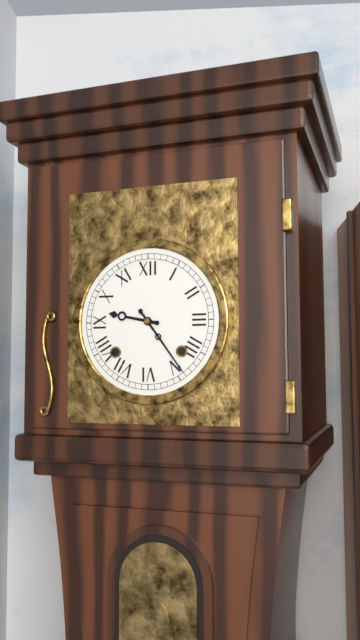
9:24
